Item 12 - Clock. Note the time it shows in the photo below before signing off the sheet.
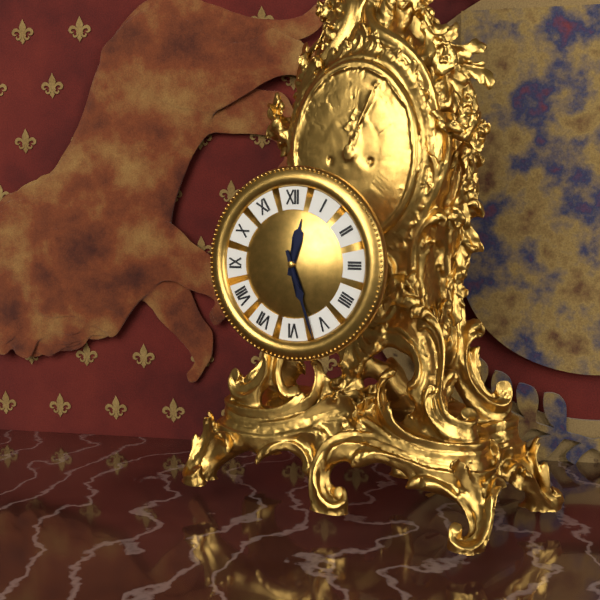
12:27
